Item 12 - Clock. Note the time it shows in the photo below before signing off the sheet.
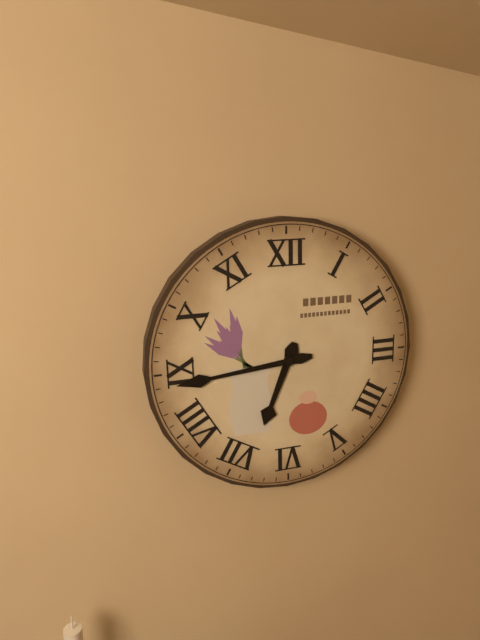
6:44
